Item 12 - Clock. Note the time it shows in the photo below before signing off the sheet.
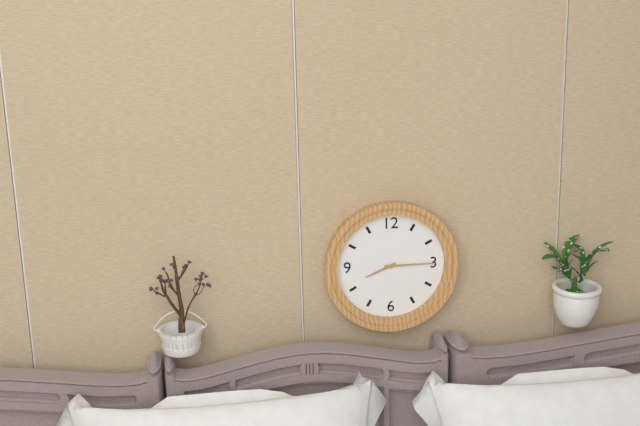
8:15
